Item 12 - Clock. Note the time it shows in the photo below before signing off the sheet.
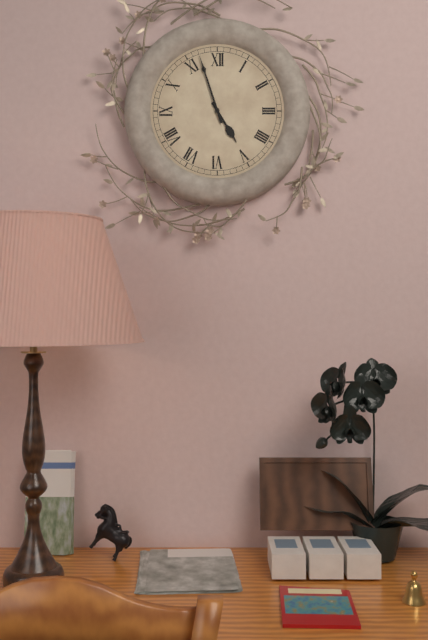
4:57
